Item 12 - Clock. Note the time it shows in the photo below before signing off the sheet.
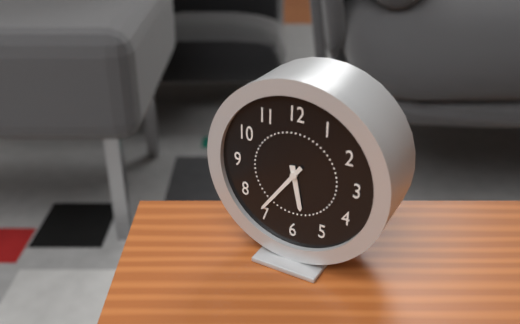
5:36
